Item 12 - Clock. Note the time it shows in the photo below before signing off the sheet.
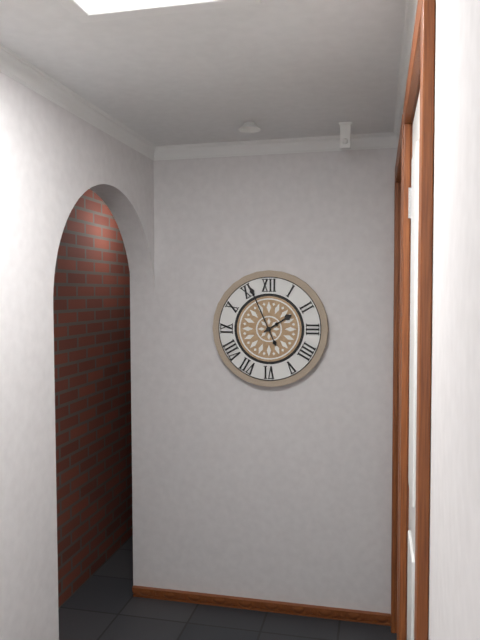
1:56
